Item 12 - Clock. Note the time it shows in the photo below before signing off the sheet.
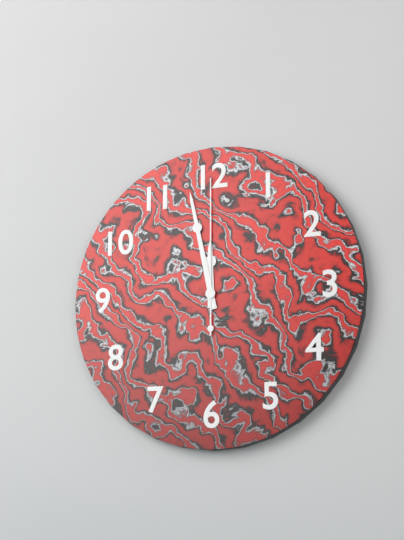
11:58:00
